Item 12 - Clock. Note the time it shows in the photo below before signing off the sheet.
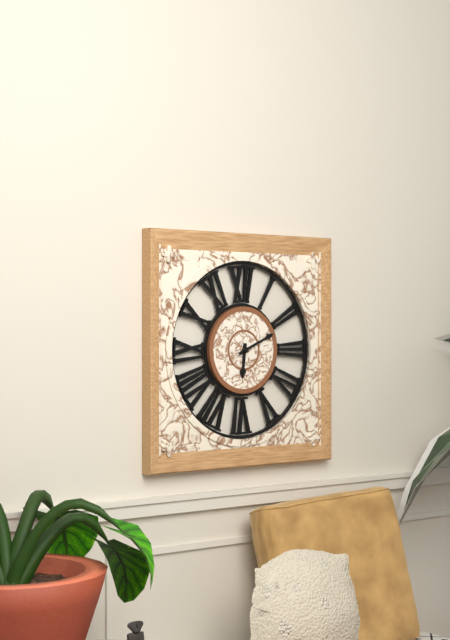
6:11
